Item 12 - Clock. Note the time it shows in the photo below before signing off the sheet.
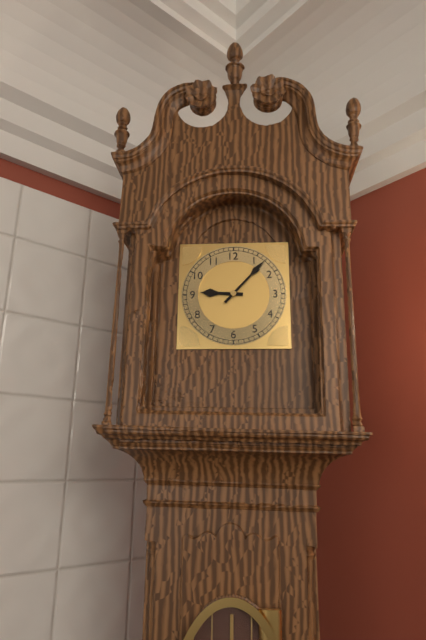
9:07
